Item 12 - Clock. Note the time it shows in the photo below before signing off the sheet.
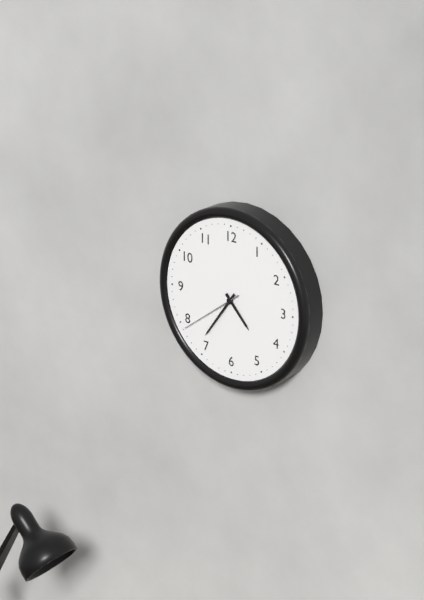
4:36:39
